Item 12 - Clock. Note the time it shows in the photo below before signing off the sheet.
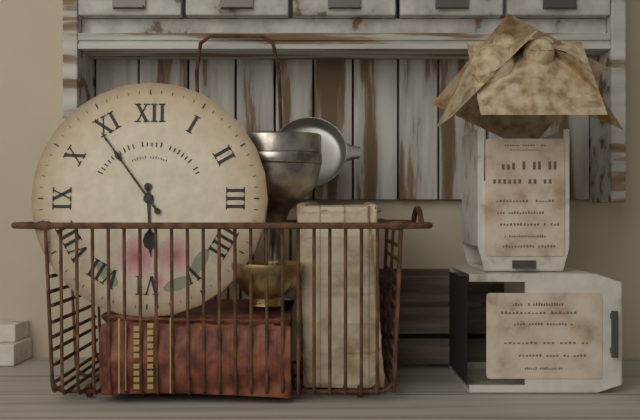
5:54
